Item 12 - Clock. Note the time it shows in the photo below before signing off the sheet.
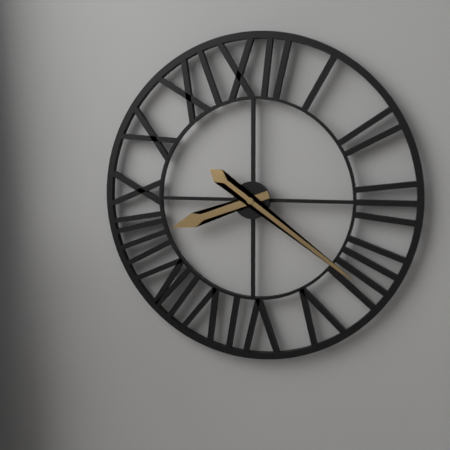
8:21
